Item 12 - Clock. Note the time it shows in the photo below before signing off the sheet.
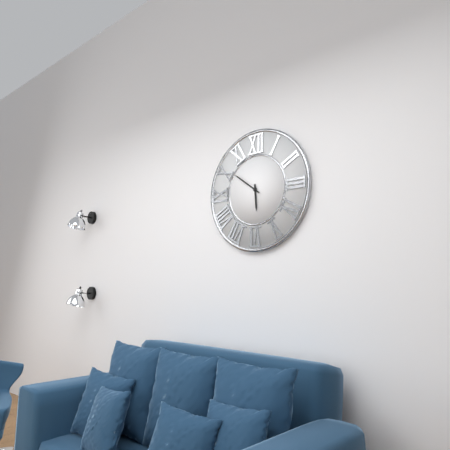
5:51
